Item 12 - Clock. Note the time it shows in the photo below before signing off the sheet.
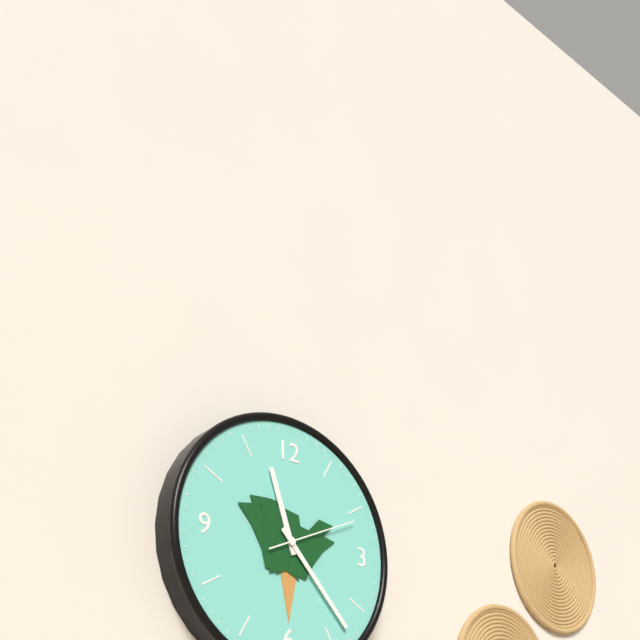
11:23:11
